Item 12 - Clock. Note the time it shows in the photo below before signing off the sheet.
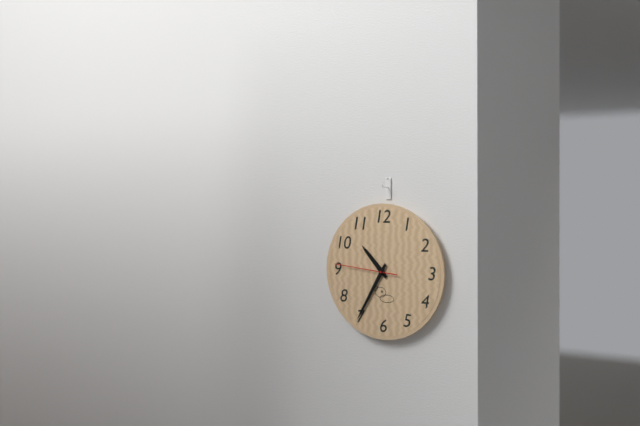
10:35:46
